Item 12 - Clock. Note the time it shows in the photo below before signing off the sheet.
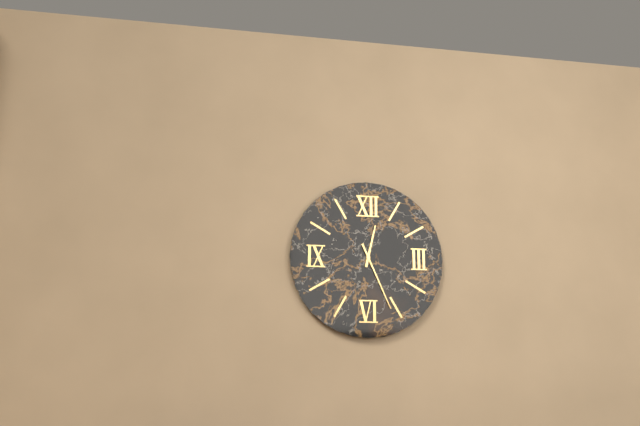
12:26
